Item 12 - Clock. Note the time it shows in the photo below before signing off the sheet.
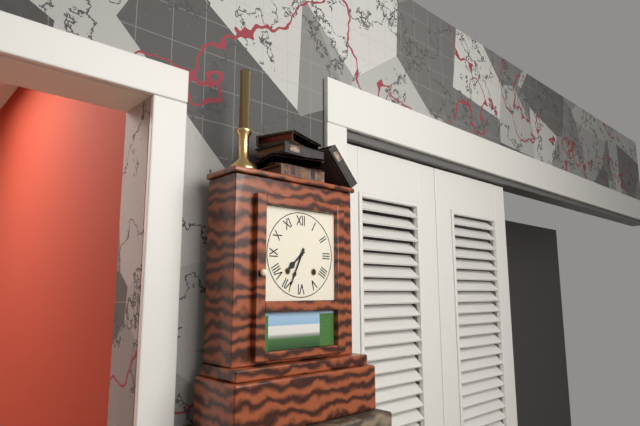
7:34
